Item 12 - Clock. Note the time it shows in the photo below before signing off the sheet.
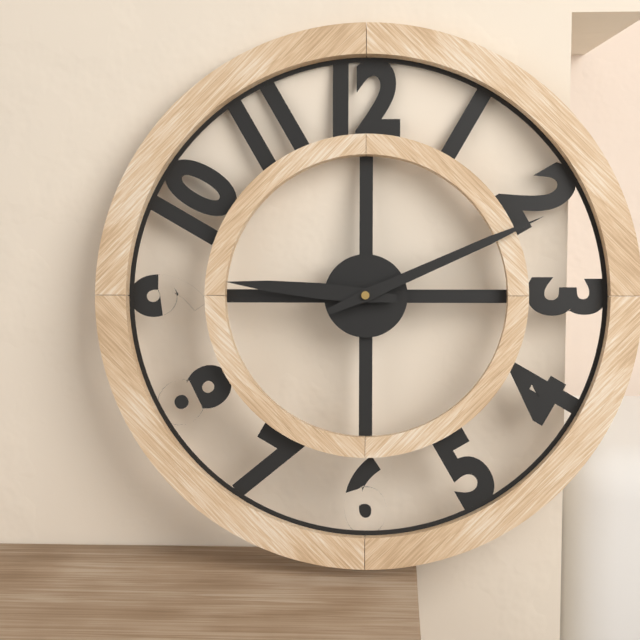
9:11
